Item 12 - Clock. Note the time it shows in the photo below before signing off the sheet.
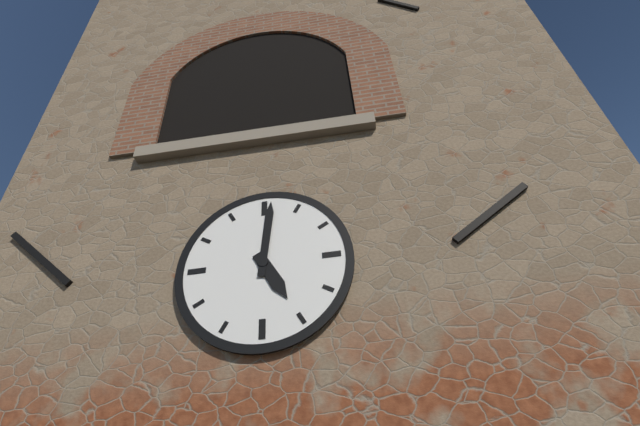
5:01
